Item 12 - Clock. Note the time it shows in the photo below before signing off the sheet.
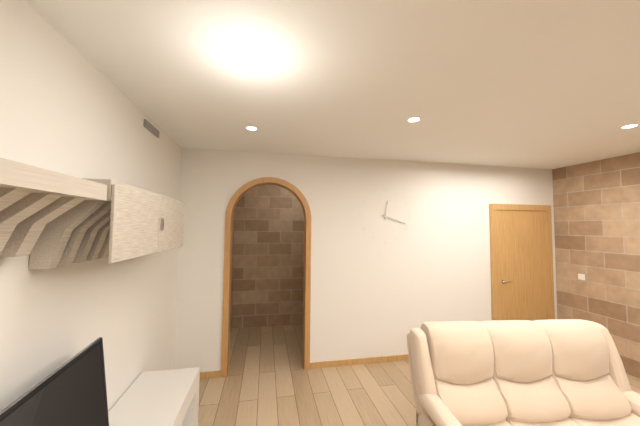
12:18
